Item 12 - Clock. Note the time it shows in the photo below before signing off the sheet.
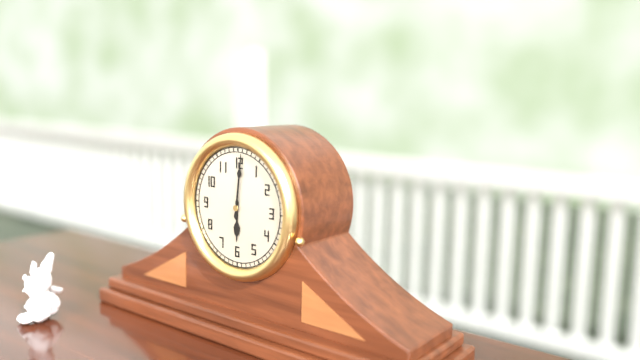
6:01
